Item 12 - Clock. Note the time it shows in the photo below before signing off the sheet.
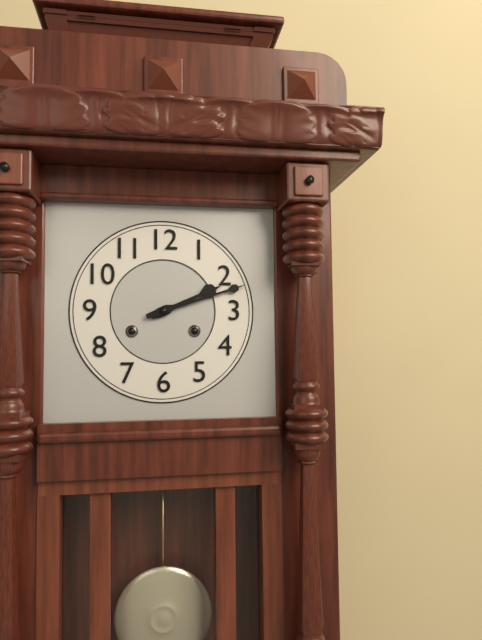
2:12
